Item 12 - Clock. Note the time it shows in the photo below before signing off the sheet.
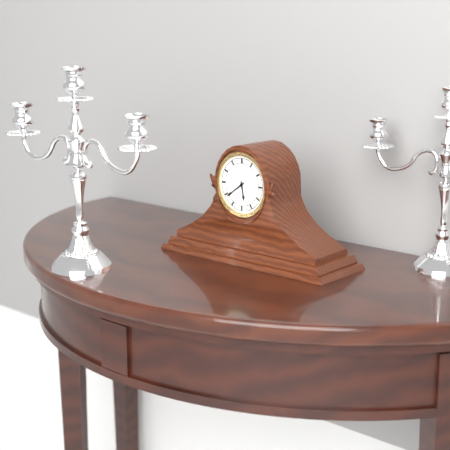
5:39
